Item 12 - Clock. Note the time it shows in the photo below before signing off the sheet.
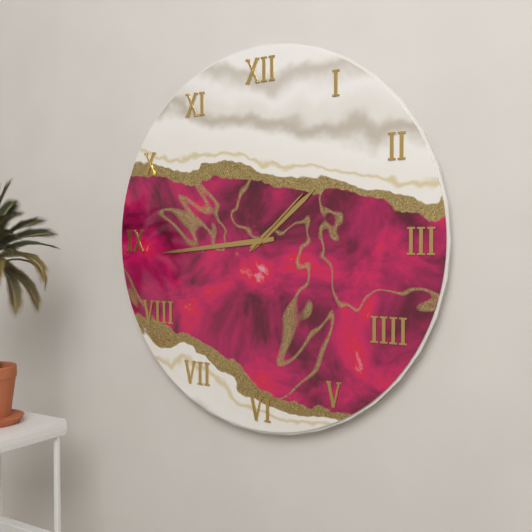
1:44:08
